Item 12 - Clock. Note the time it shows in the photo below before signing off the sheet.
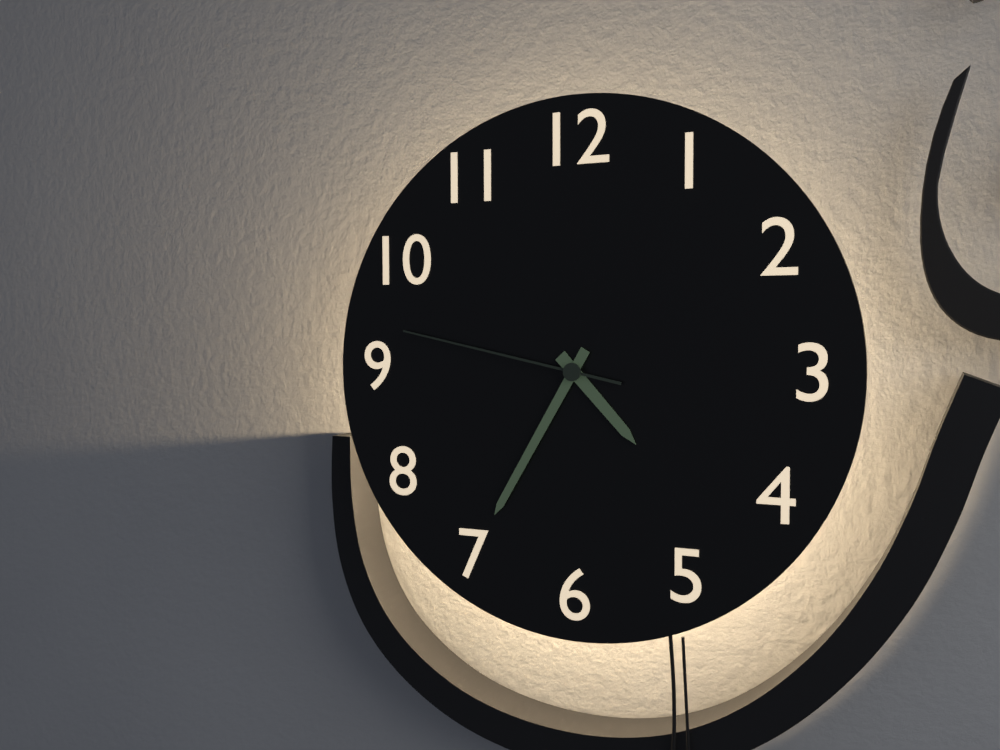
4:35:47
